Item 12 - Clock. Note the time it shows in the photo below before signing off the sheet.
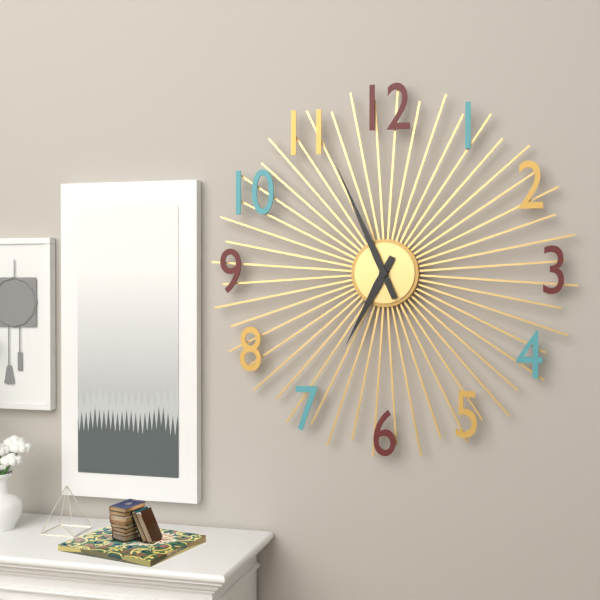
6:56
